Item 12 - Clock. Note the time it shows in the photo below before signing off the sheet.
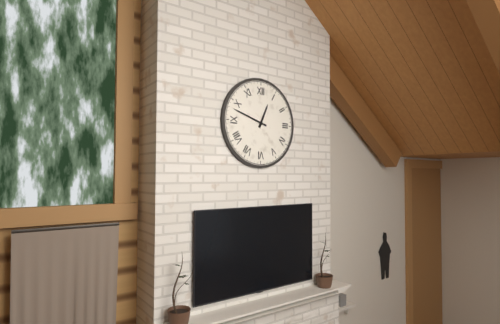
12:48
